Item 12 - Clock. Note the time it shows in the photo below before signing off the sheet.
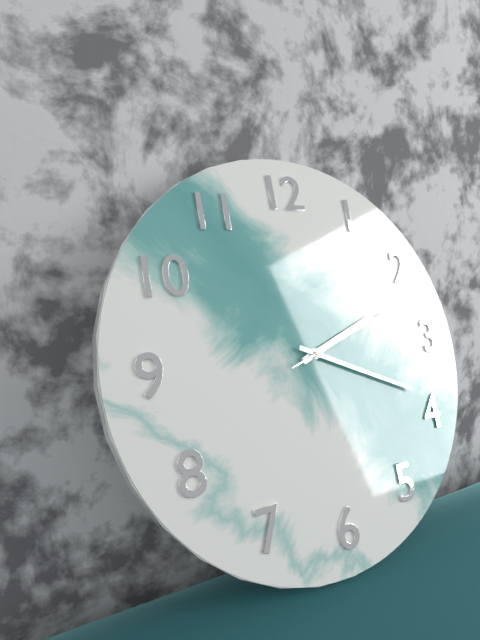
2:19:12
